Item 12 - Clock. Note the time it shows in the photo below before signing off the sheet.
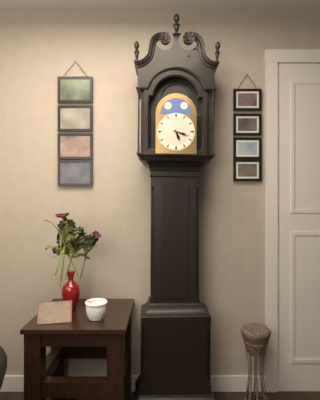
5:18
